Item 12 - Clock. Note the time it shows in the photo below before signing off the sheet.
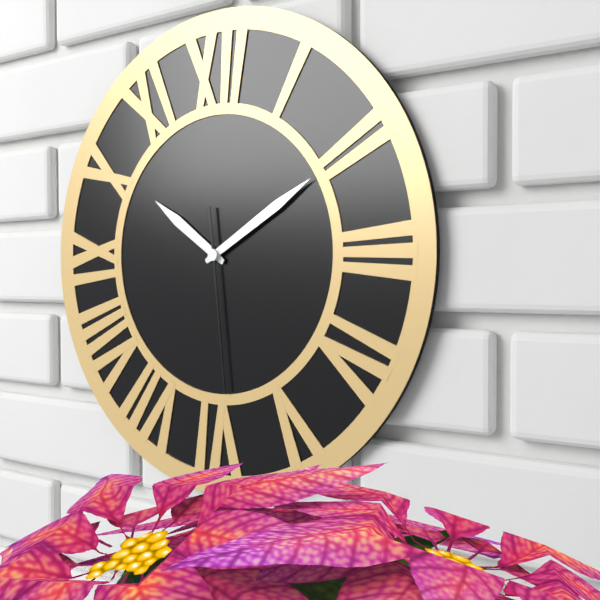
10:10:29
